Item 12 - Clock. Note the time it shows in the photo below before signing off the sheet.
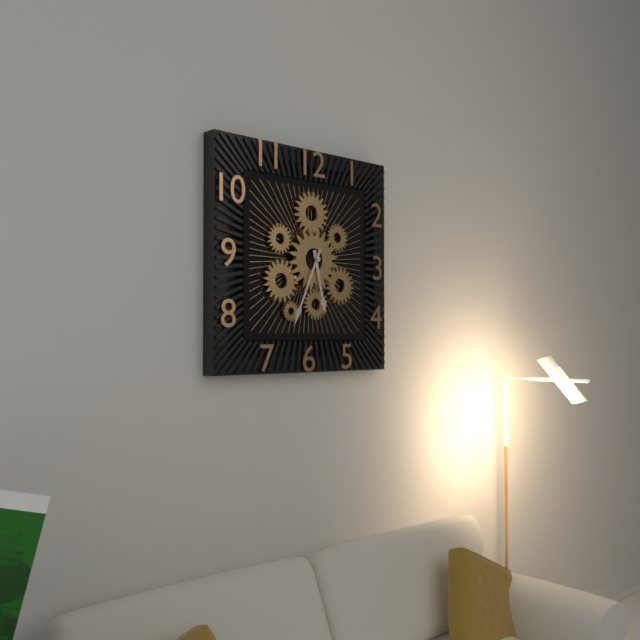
5:34
